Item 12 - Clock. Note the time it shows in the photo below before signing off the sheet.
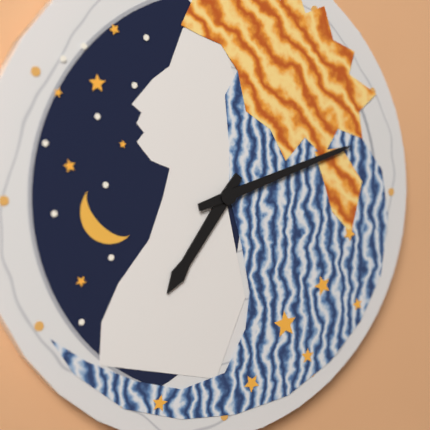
7:12
